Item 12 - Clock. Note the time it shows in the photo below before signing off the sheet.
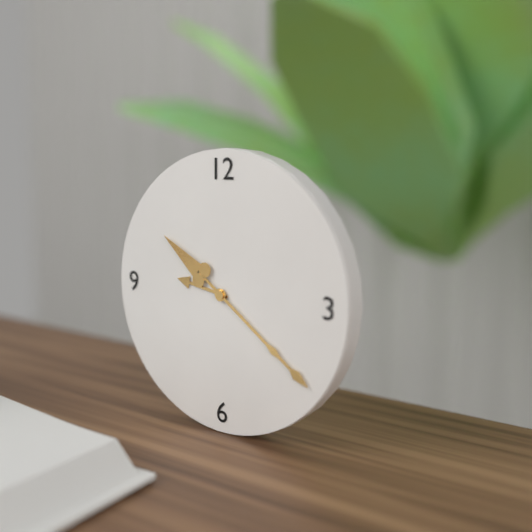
9:21
